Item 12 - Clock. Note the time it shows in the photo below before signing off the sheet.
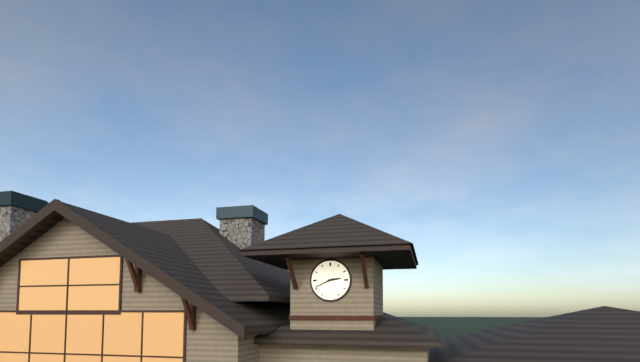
2:41
